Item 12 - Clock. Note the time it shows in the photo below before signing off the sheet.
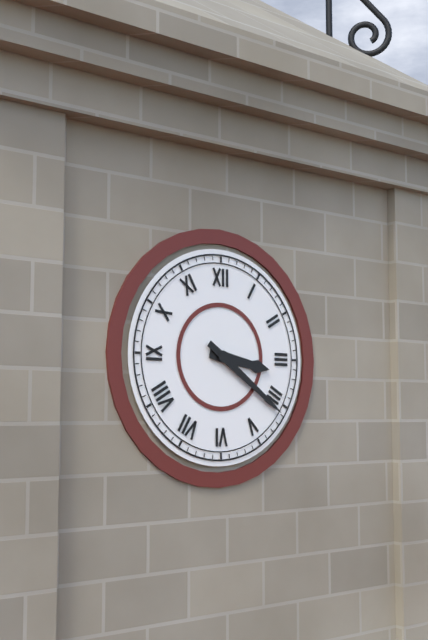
3:21
